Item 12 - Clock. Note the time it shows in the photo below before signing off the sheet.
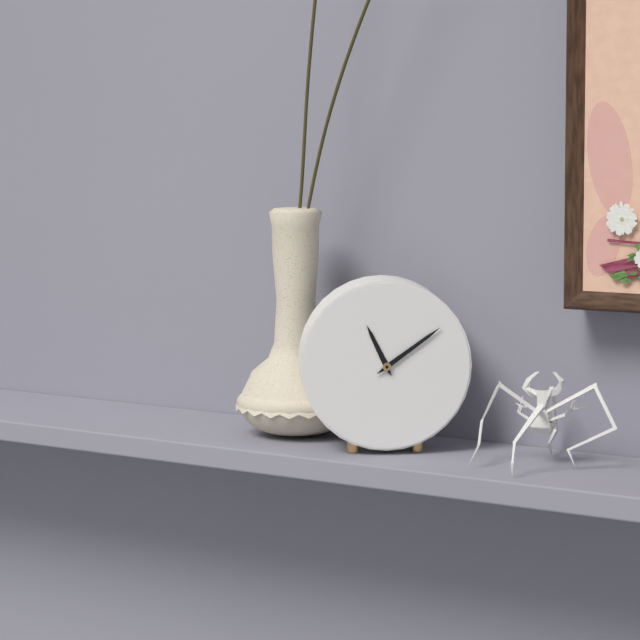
11:09
